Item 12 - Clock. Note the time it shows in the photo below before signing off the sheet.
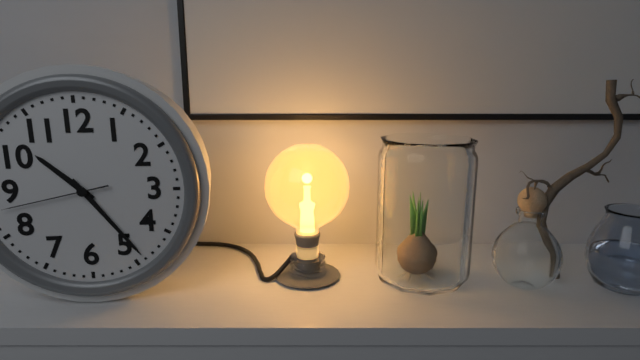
10:24:43
